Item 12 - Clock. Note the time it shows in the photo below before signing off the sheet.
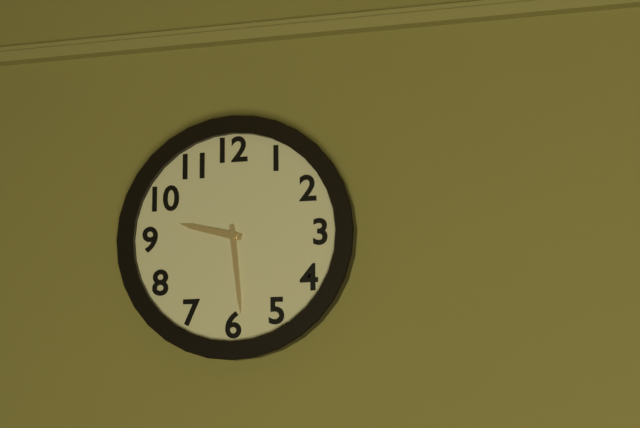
9:29
